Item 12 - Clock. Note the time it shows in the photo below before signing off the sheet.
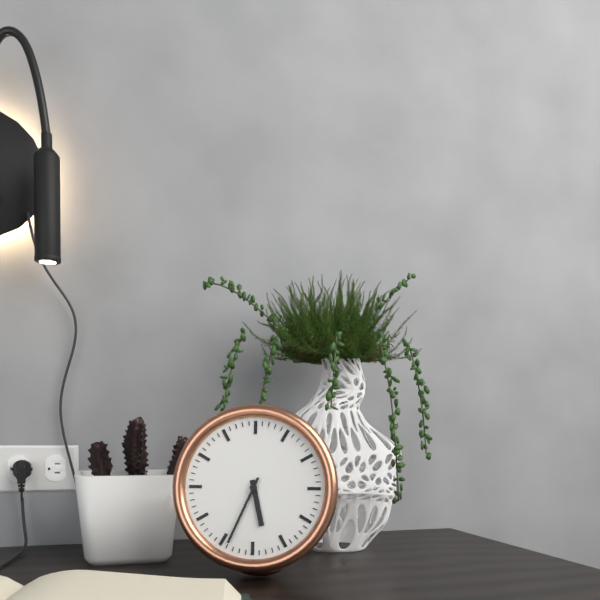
5:34
